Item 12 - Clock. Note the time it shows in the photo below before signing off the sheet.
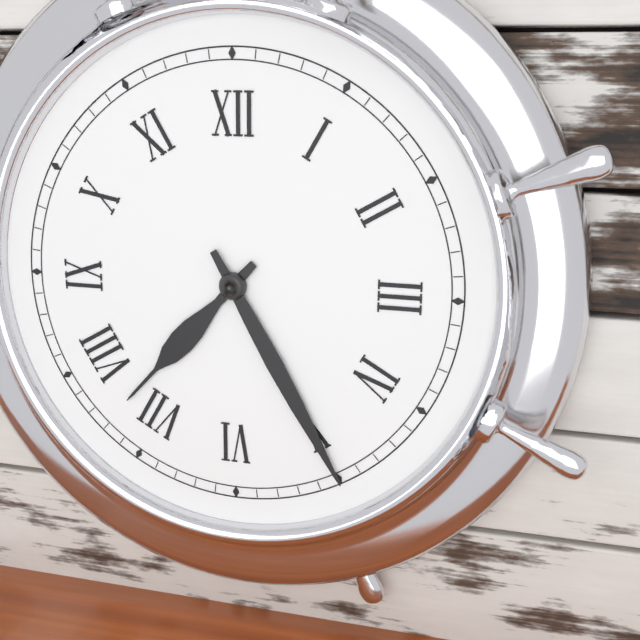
7:25
